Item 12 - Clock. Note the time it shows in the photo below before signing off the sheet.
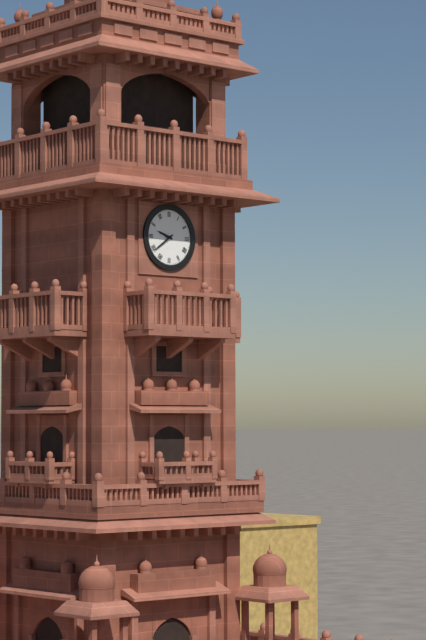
9:39
